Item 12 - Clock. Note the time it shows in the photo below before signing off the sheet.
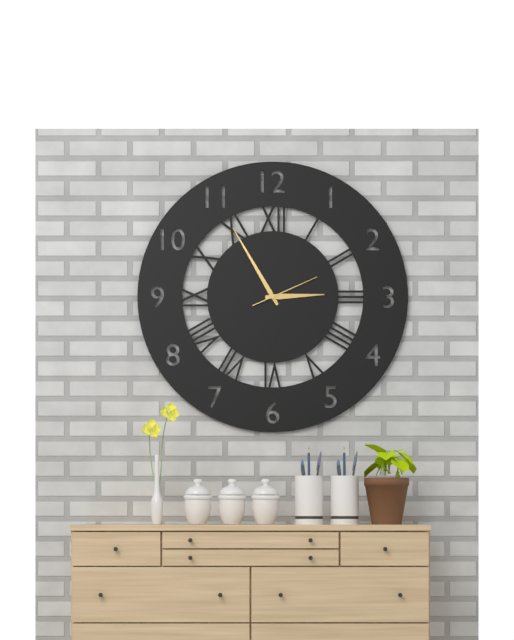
2:55:11
